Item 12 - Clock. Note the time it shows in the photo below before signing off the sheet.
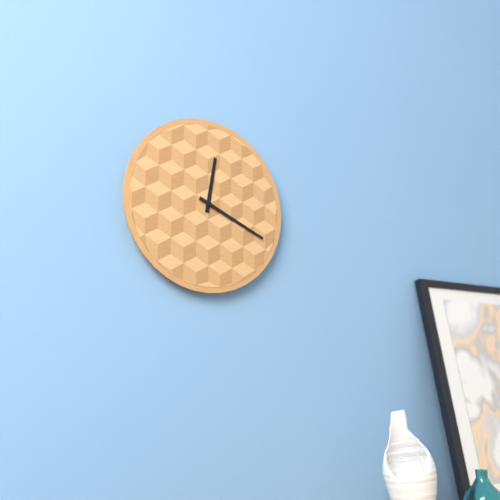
12:19
